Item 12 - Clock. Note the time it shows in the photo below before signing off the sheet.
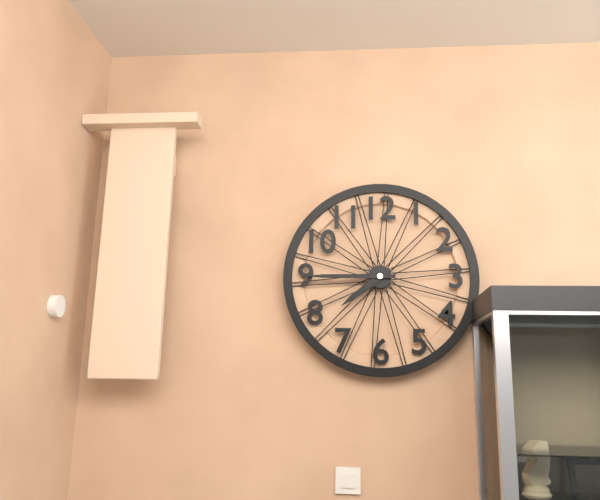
7:45
